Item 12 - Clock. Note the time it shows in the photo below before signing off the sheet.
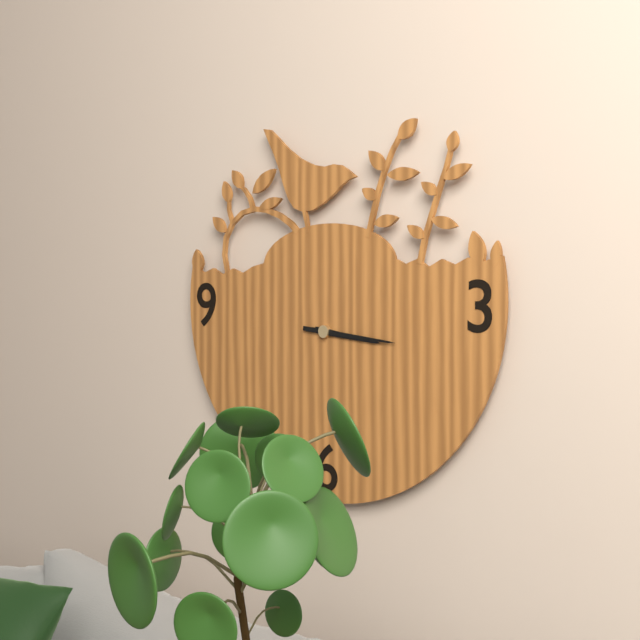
3:16
